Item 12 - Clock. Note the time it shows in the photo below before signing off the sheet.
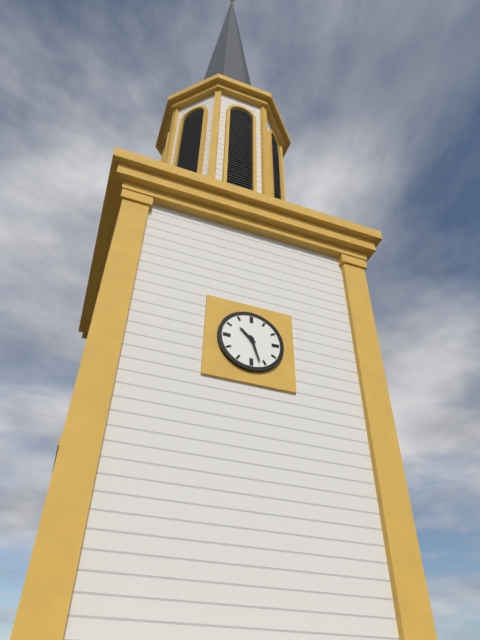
10:27
